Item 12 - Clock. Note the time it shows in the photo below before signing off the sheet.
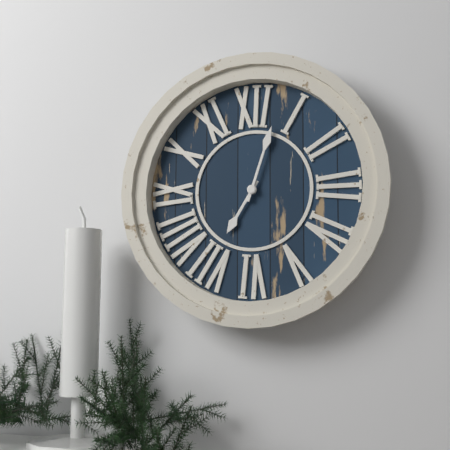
7:03
